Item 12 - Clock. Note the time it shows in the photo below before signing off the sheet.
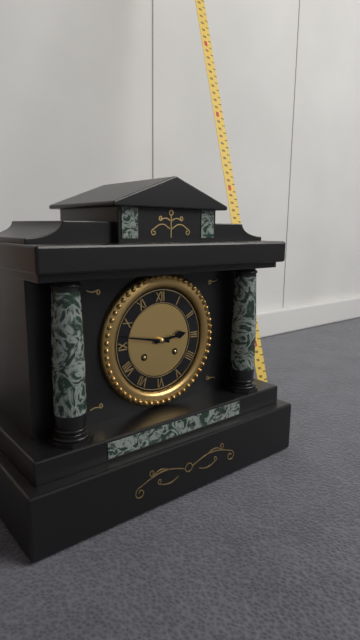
2:47
